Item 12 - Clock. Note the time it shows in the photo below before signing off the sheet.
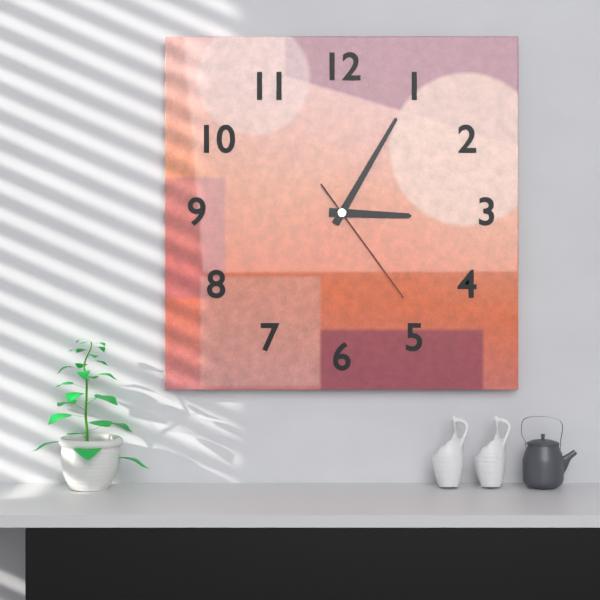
3:05:24
